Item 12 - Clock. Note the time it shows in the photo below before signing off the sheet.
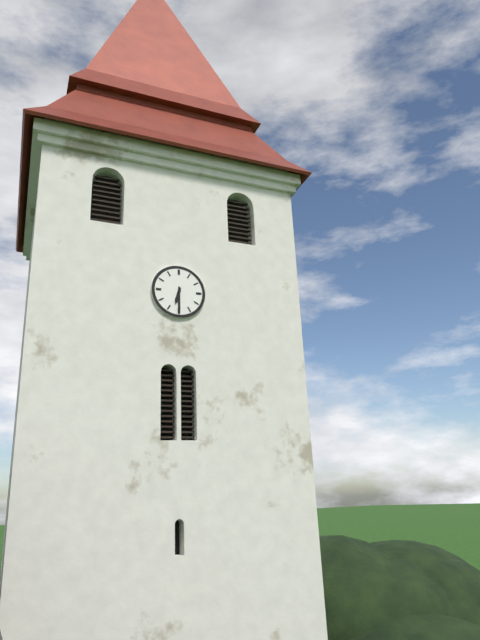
6:30
